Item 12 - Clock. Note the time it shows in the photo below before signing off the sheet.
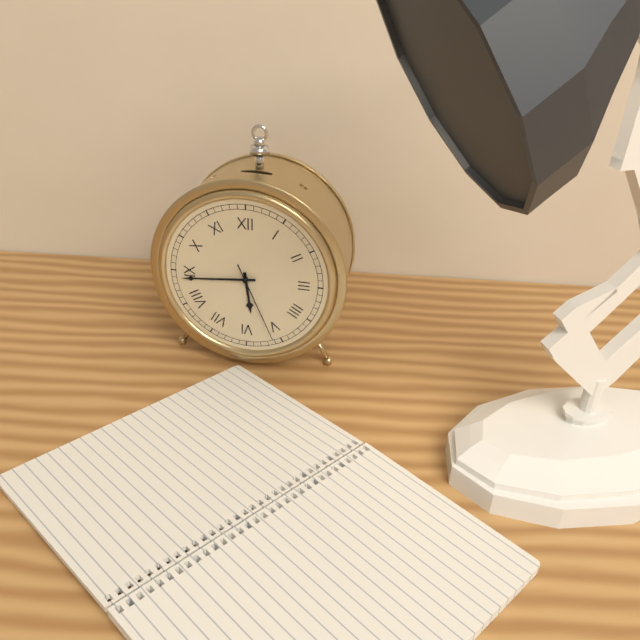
5:44:26
